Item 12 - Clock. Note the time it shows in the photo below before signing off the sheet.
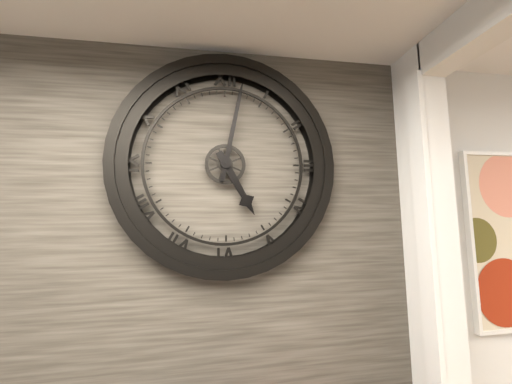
5:02
